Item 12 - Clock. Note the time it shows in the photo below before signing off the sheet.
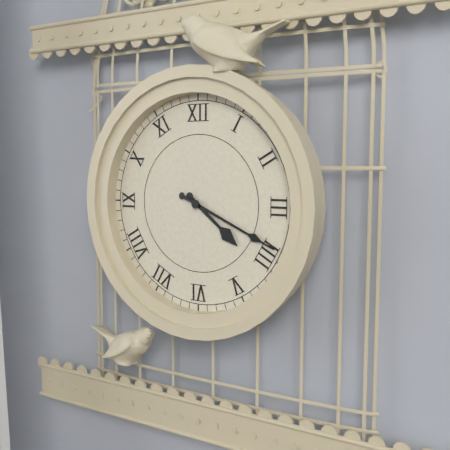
4:19
